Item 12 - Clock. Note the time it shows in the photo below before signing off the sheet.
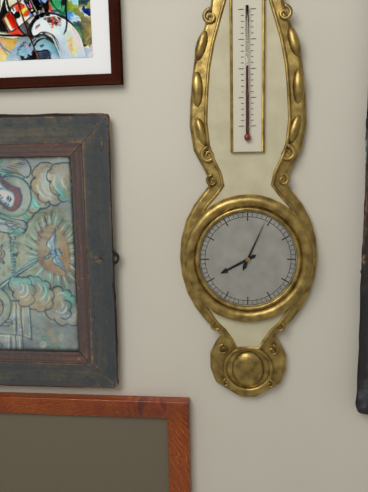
8:04
